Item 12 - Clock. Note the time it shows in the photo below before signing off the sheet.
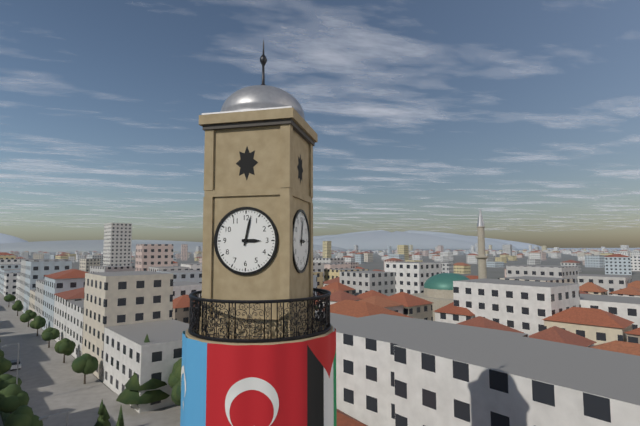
3:02
